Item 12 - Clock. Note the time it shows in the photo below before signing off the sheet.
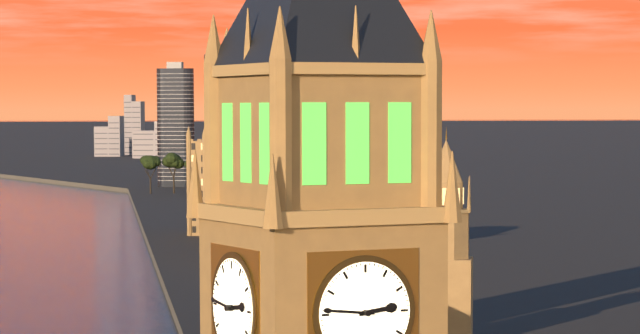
2:46
